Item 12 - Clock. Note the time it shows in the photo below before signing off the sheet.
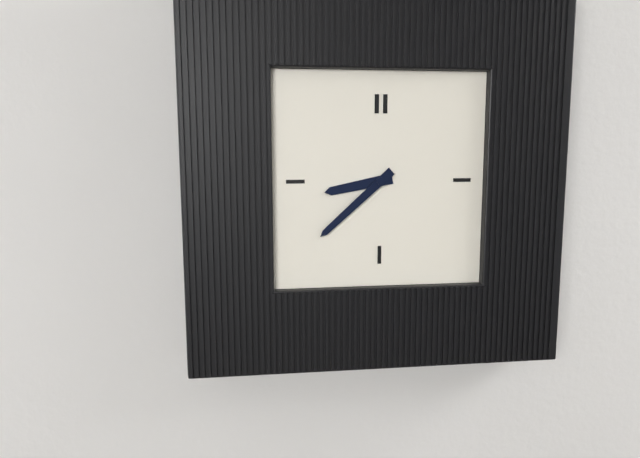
8:38
